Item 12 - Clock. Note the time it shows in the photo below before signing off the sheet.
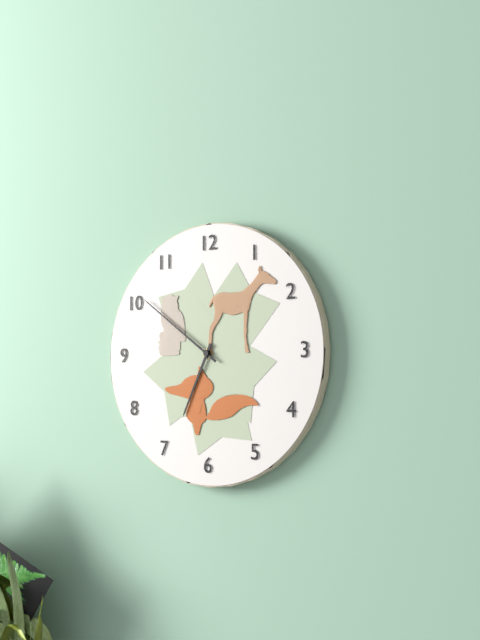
6:51
